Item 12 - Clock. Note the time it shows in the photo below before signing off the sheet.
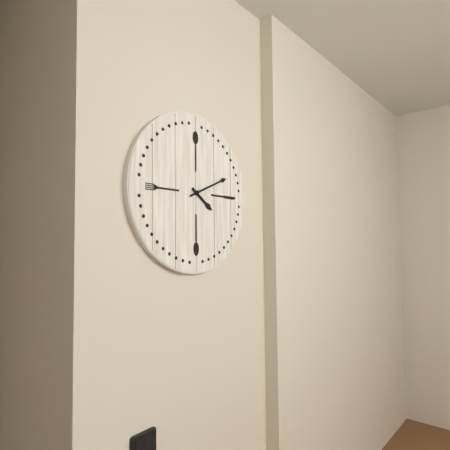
4:11
